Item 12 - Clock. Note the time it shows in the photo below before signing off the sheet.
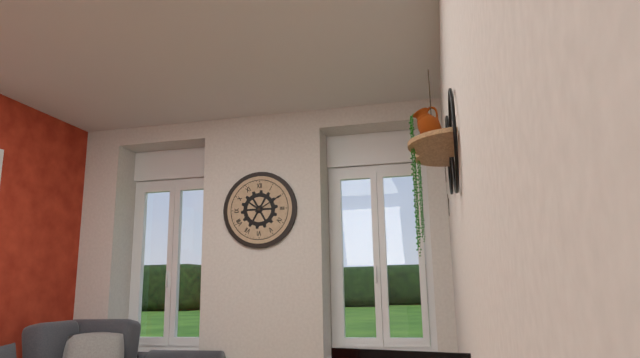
10:10
